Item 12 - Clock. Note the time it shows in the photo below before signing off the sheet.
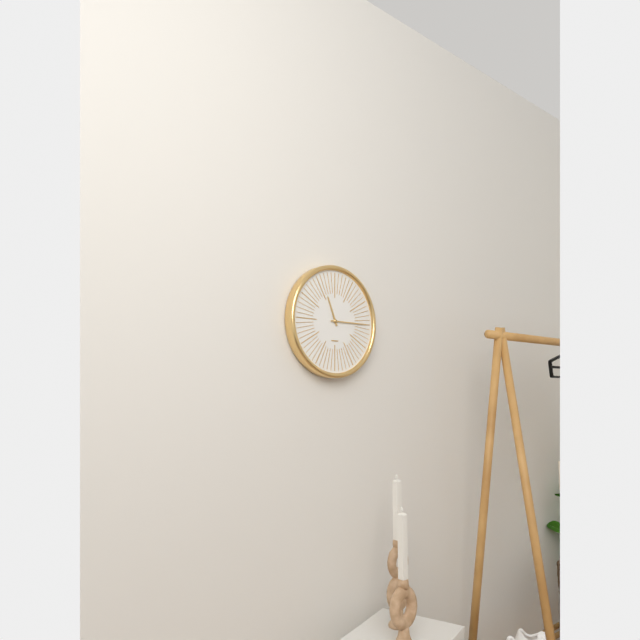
11:15
